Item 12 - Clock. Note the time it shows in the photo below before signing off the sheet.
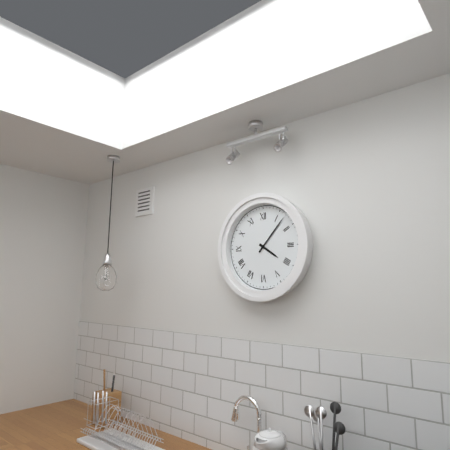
4:07
